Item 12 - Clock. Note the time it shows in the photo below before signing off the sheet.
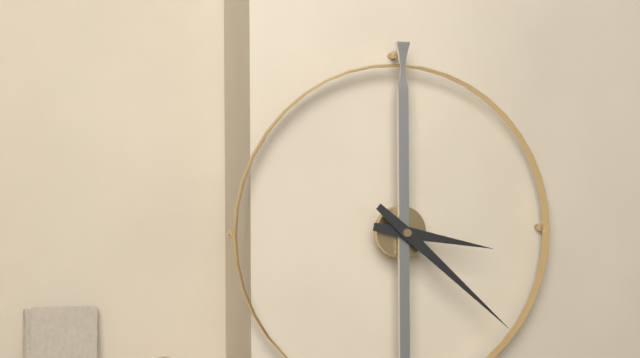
3:22
